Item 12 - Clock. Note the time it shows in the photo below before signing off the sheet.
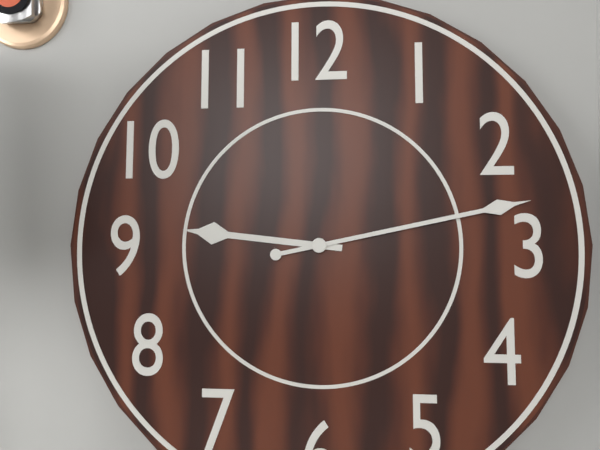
9:13
